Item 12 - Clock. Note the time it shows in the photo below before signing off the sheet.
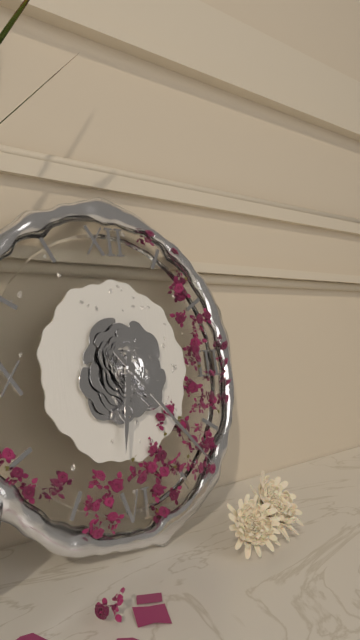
6:23
